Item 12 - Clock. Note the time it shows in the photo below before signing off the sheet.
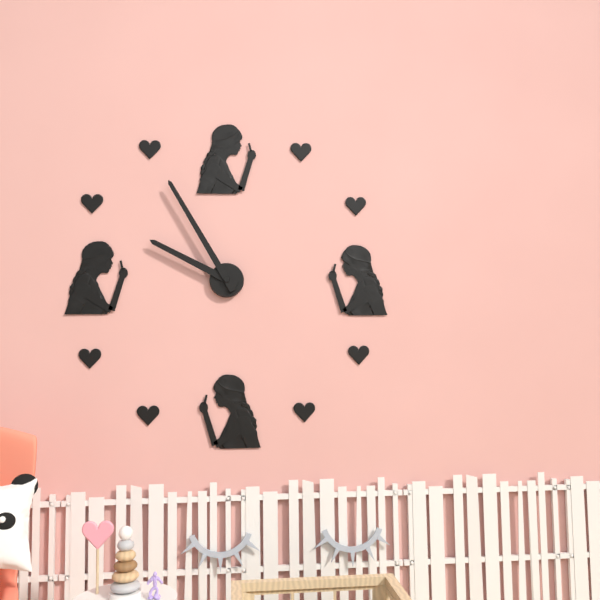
9:55
